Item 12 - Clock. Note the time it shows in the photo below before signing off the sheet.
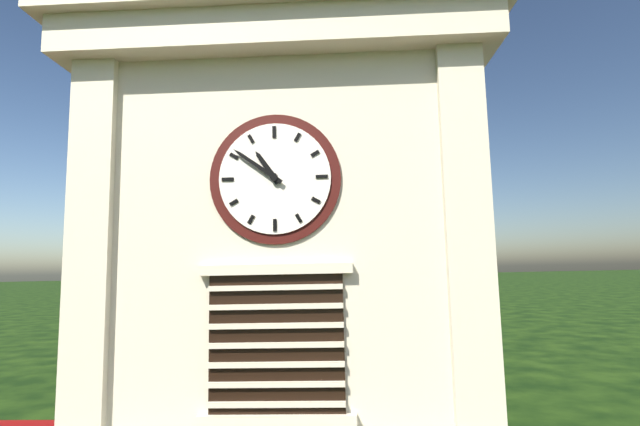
10:51
